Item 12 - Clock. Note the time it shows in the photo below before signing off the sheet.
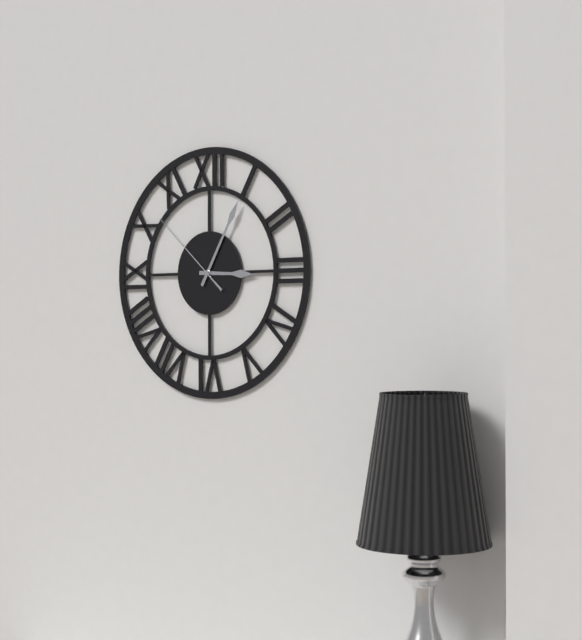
3:05:52
